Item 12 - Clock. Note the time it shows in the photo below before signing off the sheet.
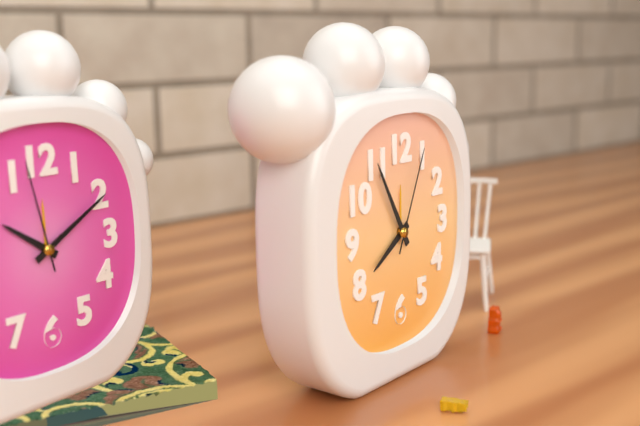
7:55:04
